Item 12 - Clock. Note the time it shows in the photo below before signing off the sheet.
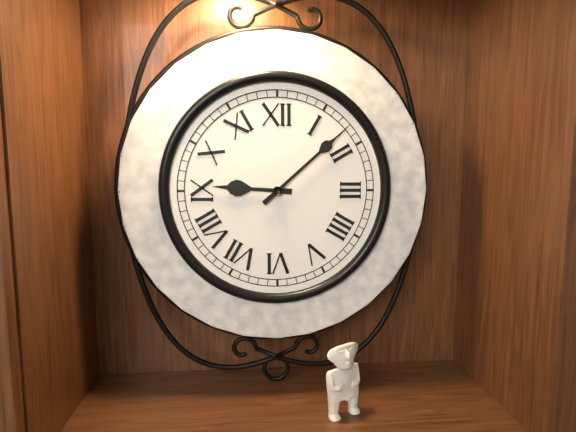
9:08
